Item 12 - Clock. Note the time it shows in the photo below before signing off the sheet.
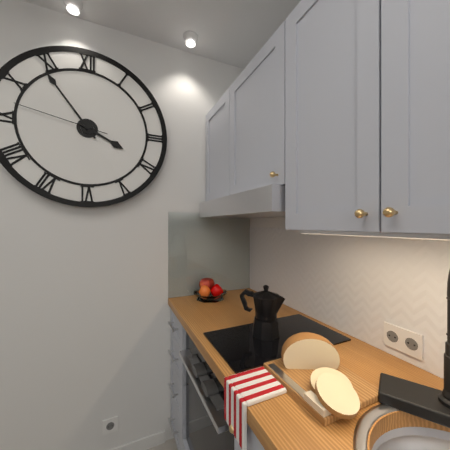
3:54:47
